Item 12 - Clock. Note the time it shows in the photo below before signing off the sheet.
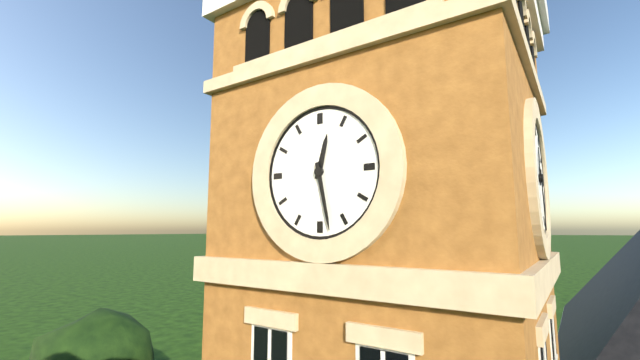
12:28
